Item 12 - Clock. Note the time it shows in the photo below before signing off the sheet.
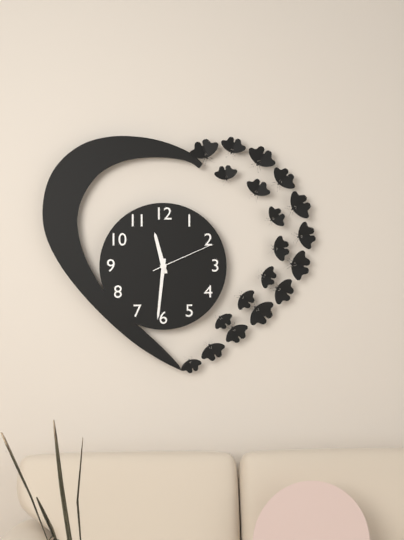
11:31:11
